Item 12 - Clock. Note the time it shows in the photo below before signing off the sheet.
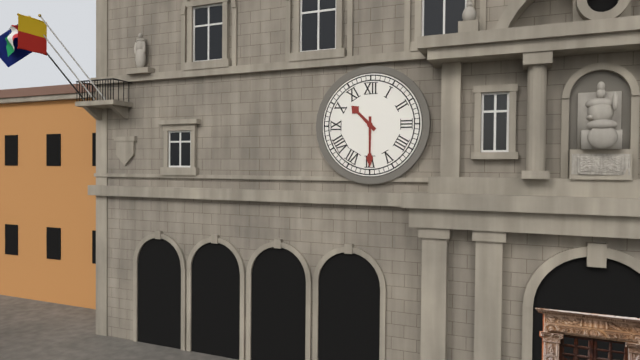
10:30
